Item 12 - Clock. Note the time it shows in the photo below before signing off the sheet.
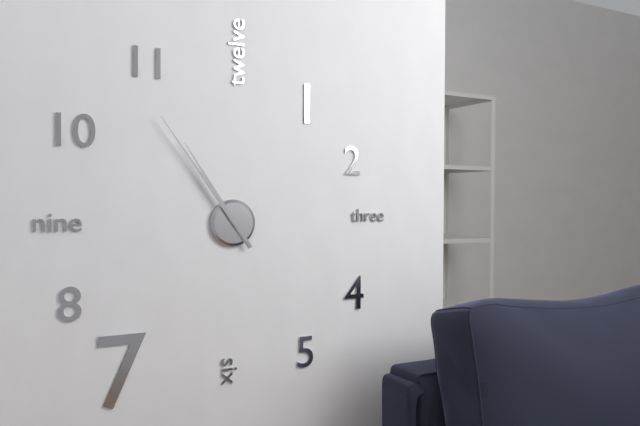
10:54
